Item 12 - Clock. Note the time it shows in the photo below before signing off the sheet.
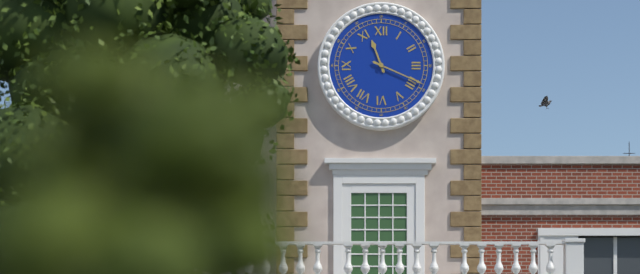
11:19
